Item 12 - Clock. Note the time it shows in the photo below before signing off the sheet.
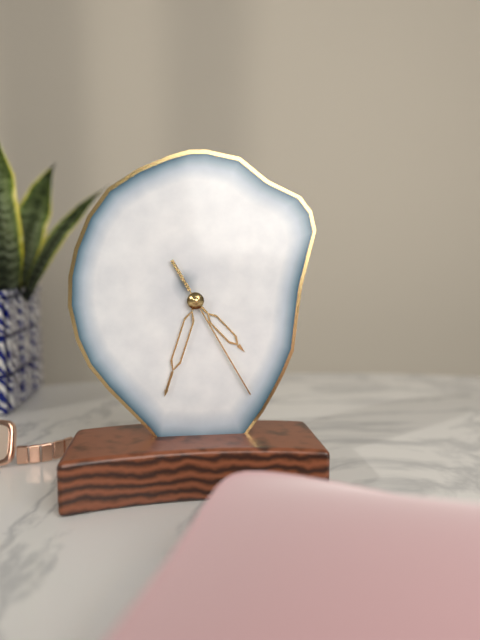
4:33:25
